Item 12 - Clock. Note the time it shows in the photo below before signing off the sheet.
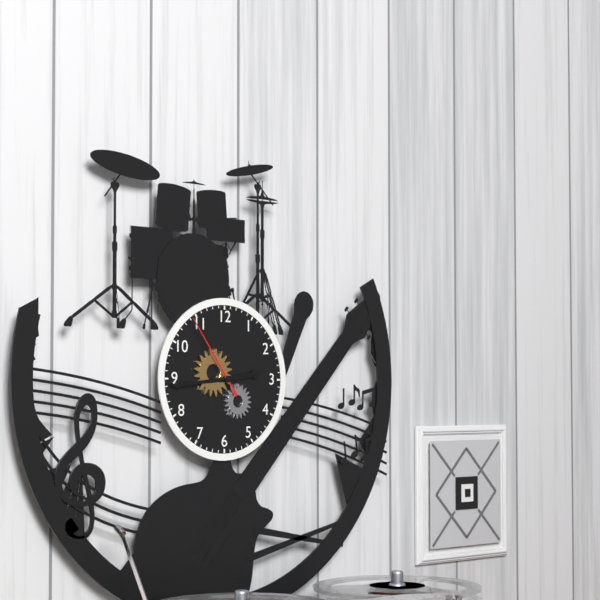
2:44:54
